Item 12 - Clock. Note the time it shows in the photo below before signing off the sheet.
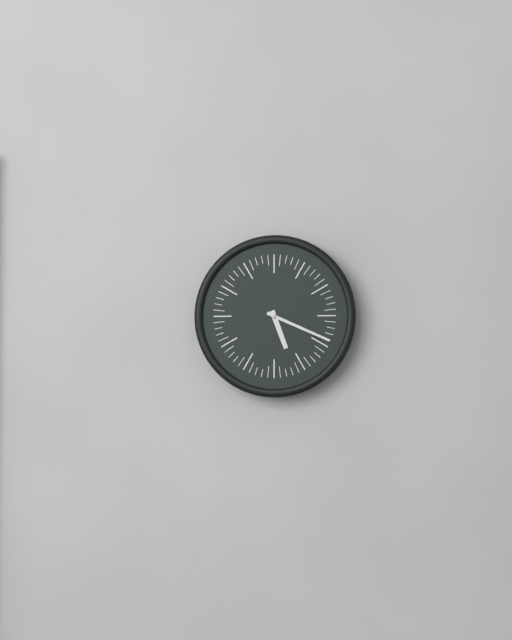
5:19
